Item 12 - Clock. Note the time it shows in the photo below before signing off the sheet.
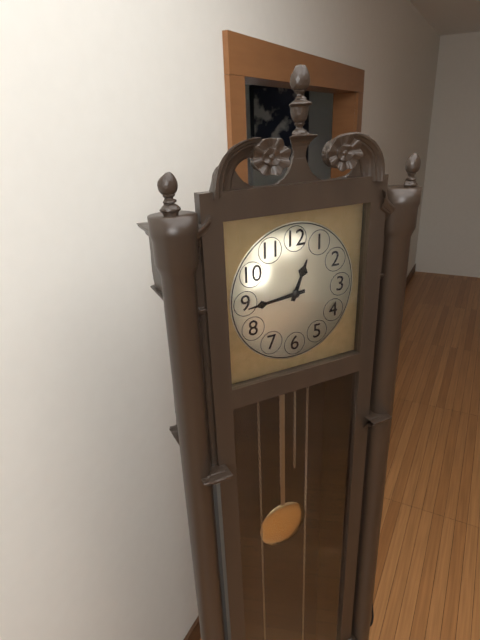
12:44
